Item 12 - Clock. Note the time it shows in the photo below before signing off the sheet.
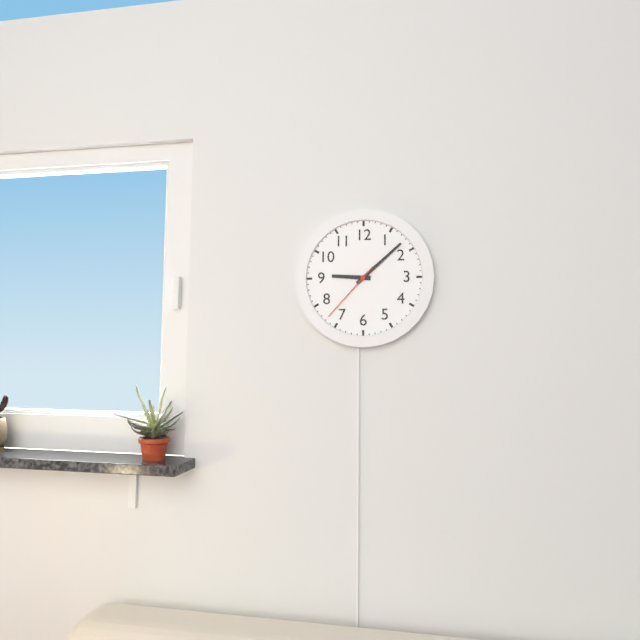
9:08:37
